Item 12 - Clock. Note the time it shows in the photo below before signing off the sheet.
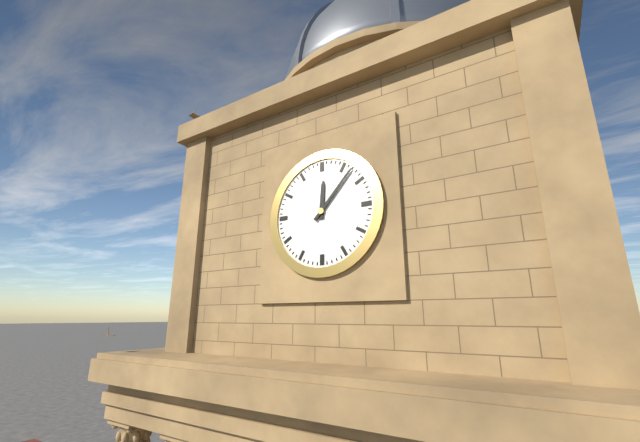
12:07
